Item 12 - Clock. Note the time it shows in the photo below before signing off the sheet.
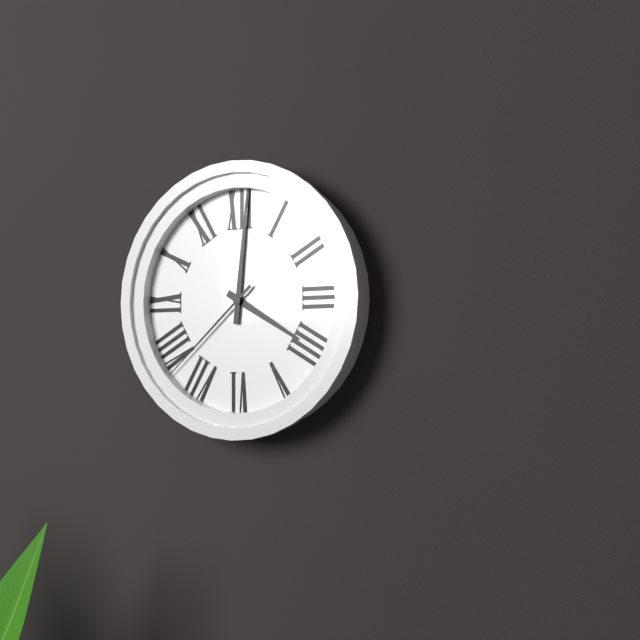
4:01:38
